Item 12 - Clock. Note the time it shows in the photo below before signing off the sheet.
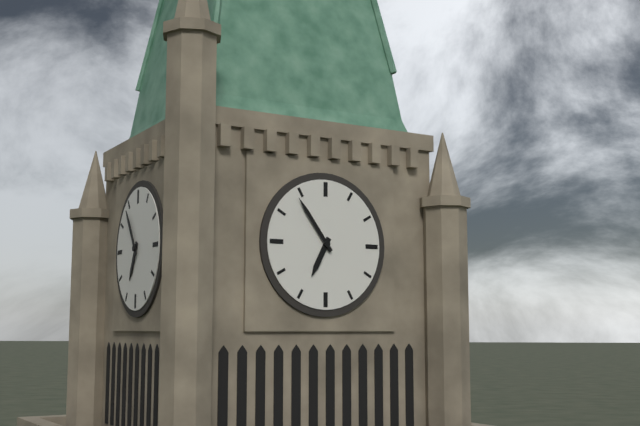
6:54
